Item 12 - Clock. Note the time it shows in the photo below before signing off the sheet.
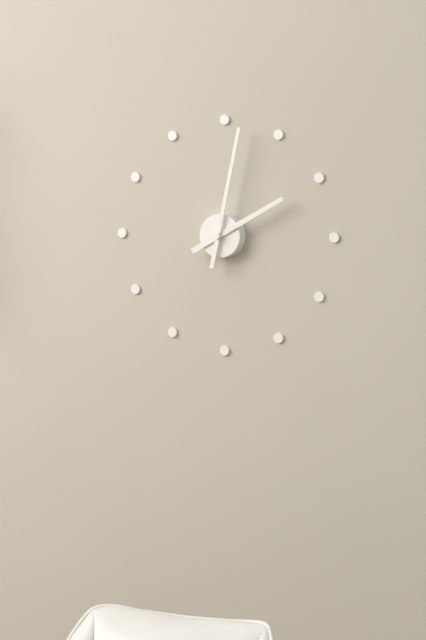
2:02
